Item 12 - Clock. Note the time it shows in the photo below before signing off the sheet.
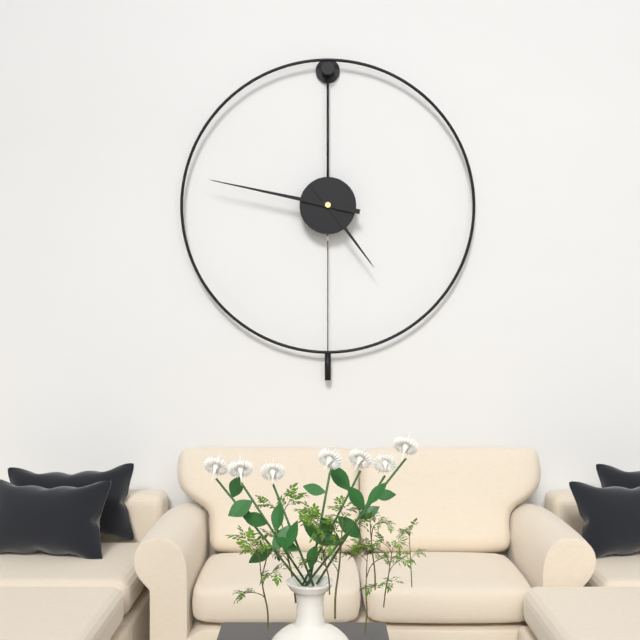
4:47
